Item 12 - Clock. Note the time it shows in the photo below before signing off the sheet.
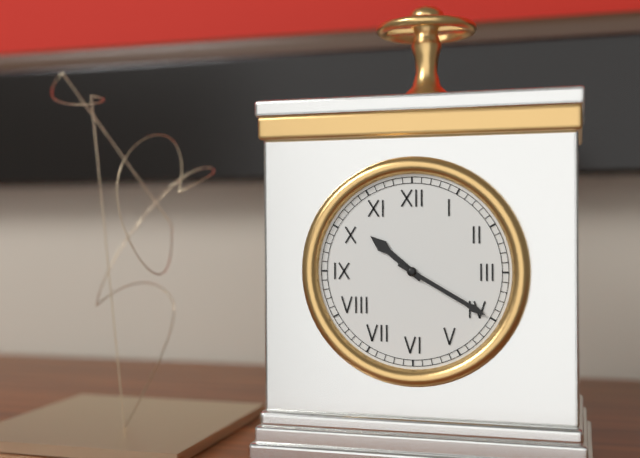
10:20
